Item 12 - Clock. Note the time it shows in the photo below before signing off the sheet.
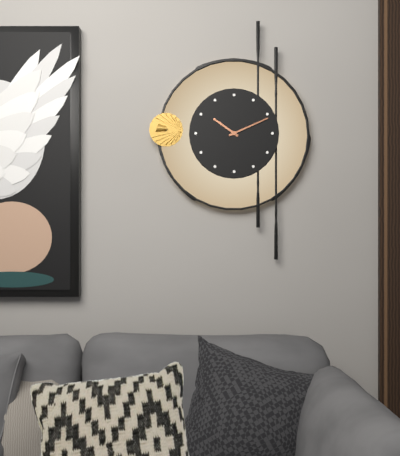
10:11
